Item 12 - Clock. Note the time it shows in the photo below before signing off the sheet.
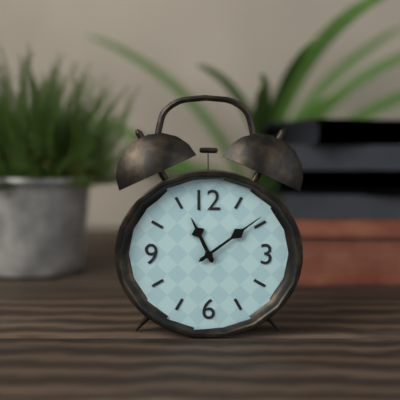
11:09
